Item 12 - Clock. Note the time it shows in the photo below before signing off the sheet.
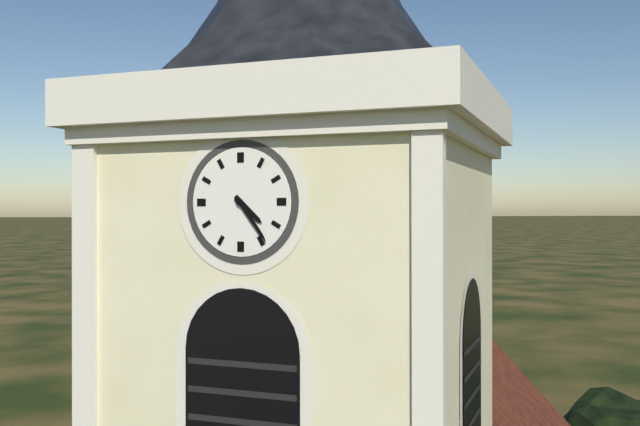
4:24
